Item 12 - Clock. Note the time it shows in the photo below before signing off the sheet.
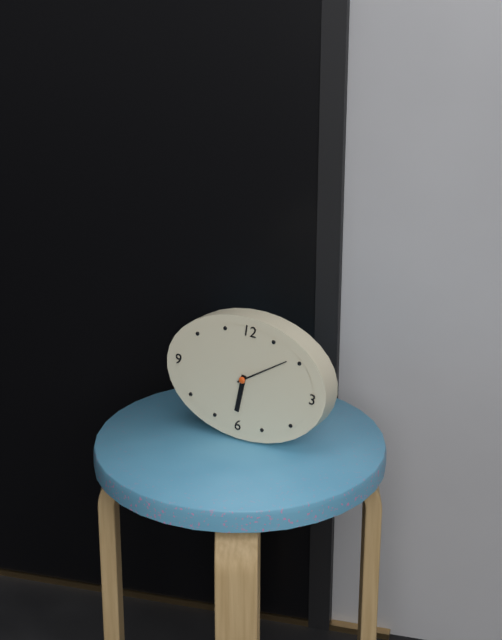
6:09
